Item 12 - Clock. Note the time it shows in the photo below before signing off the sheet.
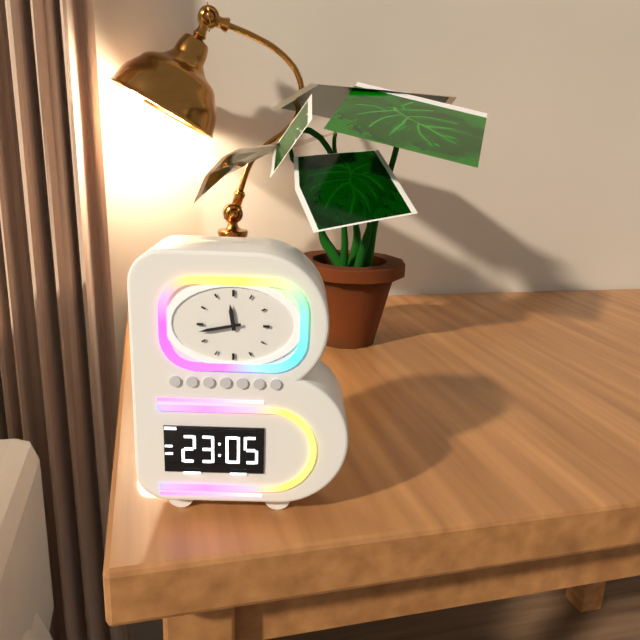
11:43
